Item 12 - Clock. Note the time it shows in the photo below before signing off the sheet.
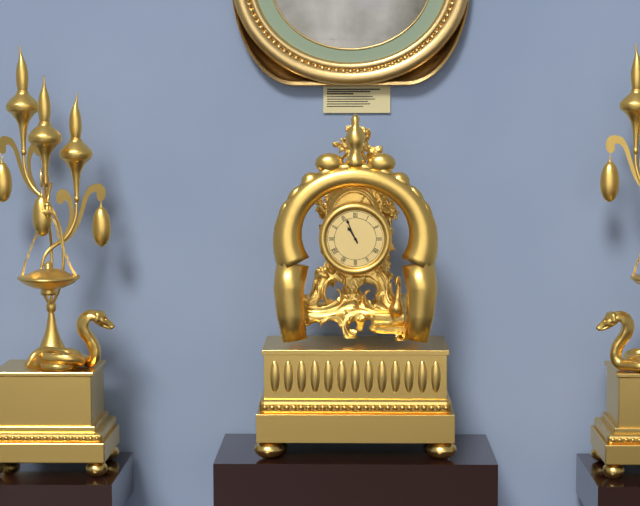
10:56
